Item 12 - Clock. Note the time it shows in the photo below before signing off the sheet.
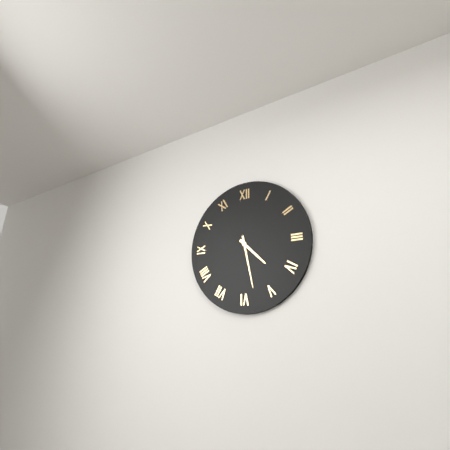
4:28
